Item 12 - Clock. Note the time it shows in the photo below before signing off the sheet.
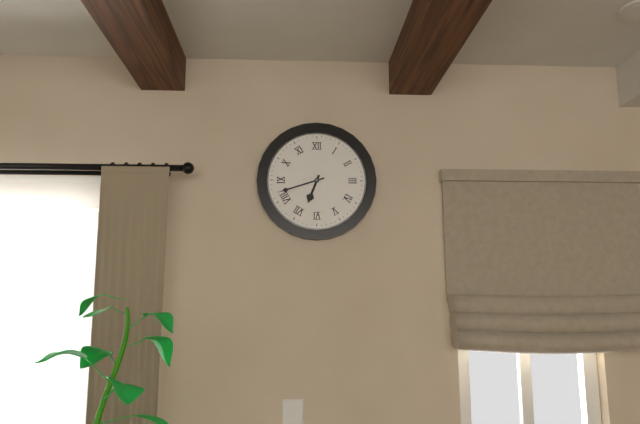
6:42
